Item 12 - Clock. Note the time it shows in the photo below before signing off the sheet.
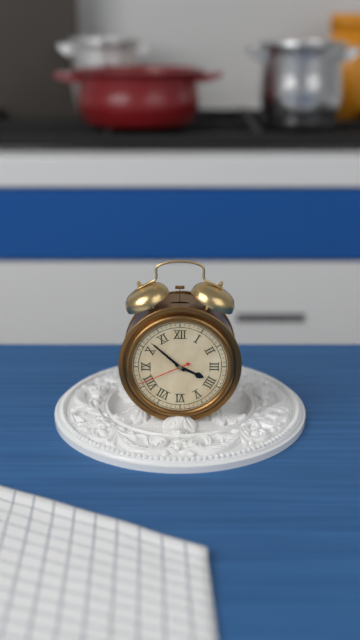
3:52:41
